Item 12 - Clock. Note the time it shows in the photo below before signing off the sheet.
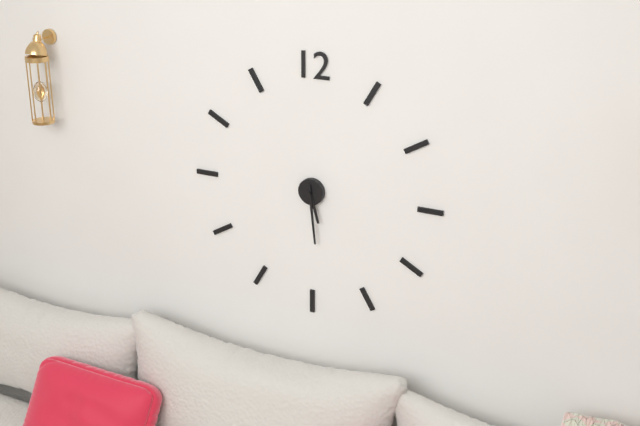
5:29
